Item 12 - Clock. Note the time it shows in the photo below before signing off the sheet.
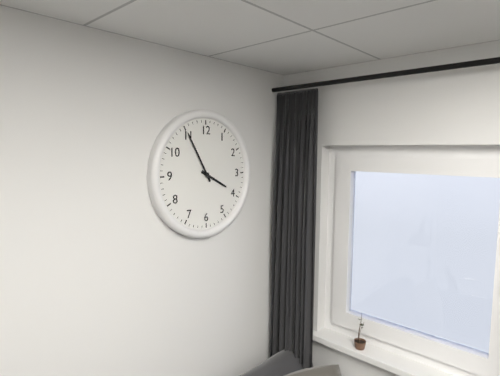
3:55
